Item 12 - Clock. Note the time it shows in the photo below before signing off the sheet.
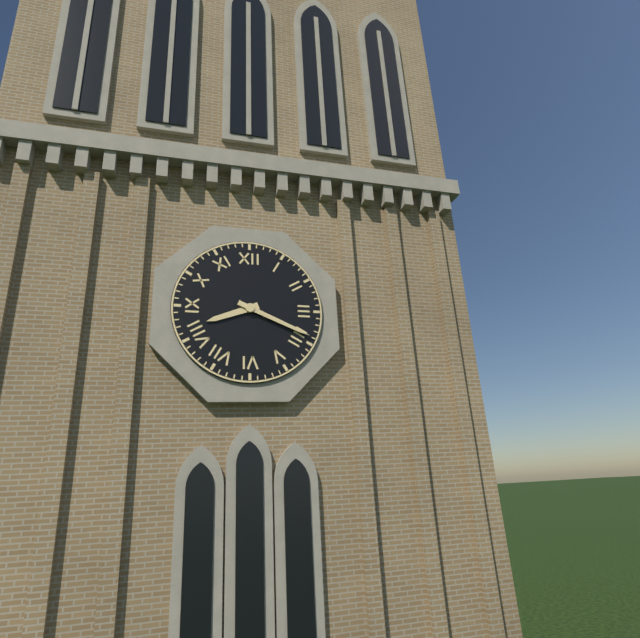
8:19
